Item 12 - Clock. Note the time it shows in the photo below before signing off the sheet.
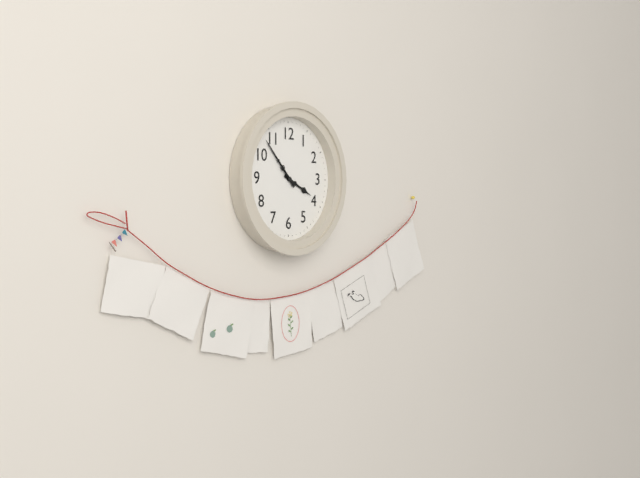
3:53
